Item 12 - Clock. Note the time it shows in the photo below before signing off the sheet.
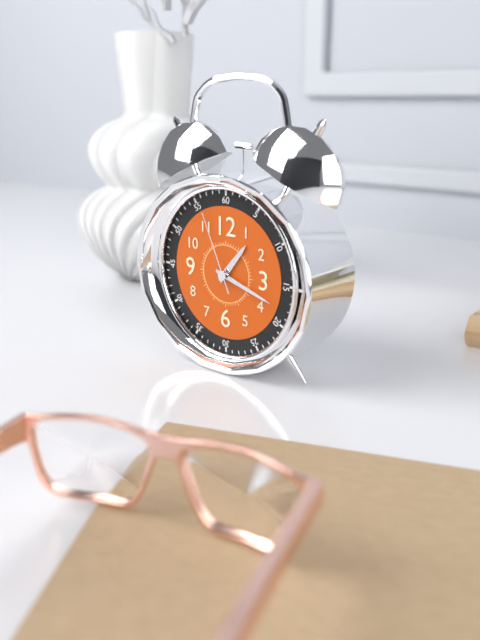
1:18:56
